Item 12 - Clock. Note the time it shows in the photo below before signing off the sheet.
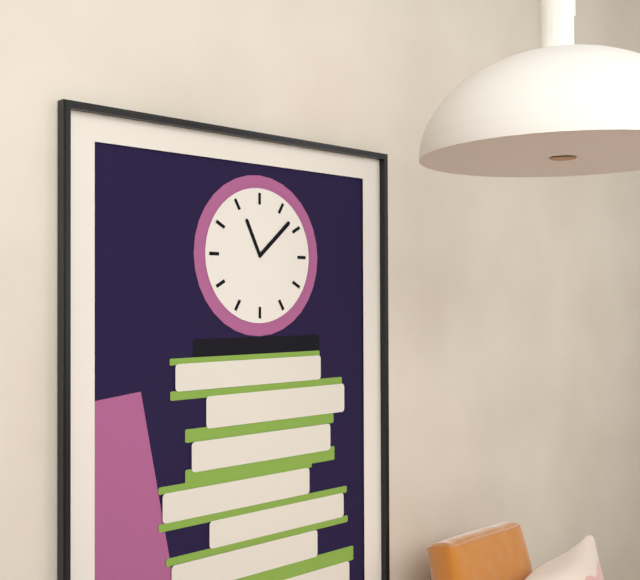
11:08
